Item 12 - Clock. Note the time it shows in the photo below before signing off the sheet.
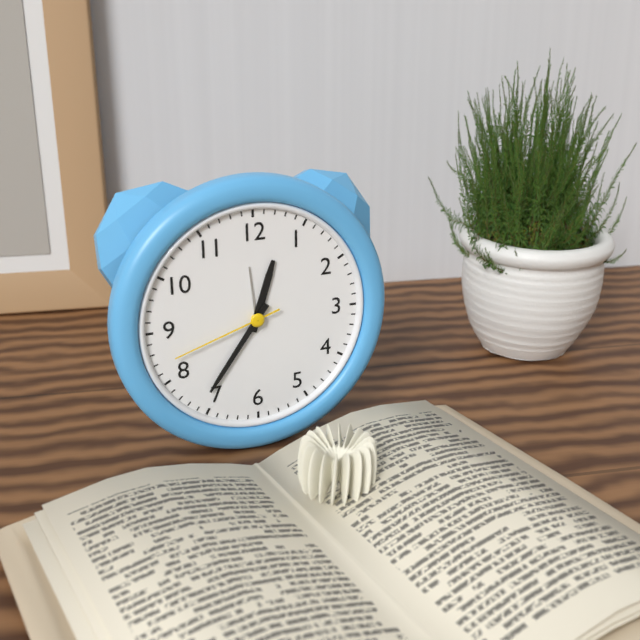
12:36:42
